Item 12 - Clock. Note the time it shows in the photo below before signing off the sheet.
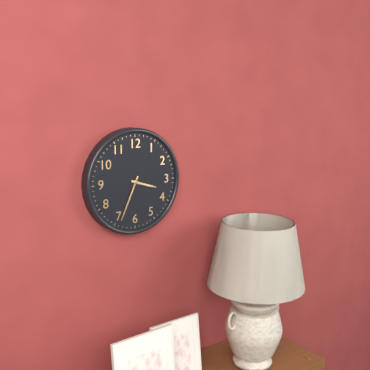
3:34
